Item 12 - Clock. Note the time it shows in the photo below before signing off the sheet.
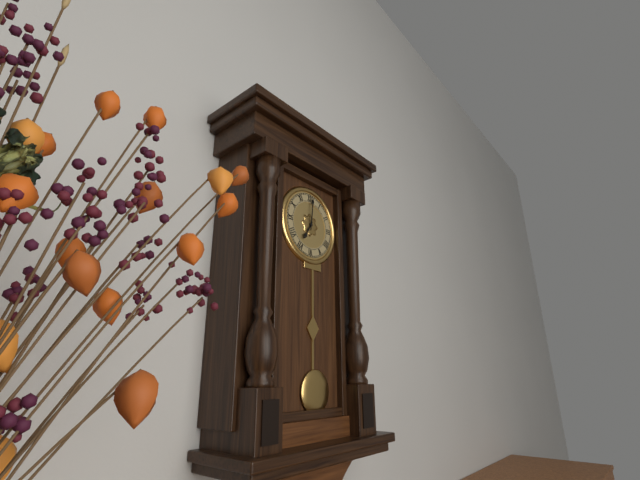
7:01
